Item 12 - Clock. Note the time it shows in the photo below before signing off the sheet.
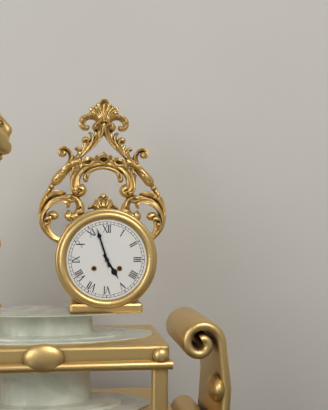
4:57
